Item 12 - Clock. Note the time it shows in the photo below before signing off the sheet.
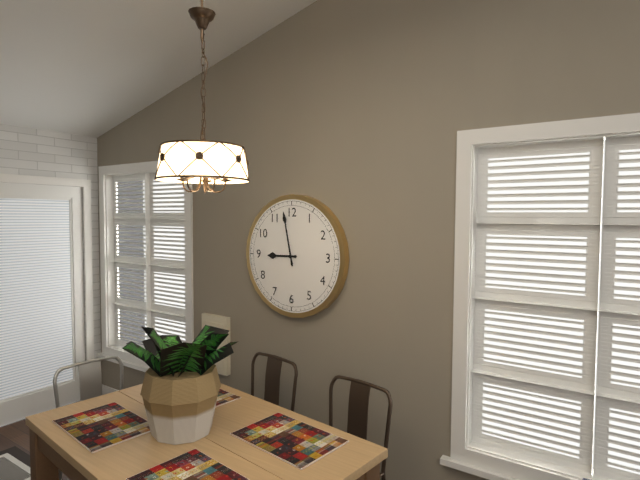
8:58
